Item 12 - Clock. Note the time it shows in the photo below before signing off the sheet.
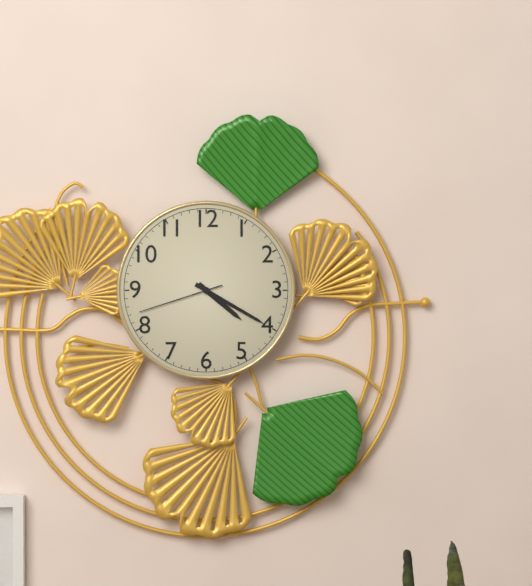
4:20:42
